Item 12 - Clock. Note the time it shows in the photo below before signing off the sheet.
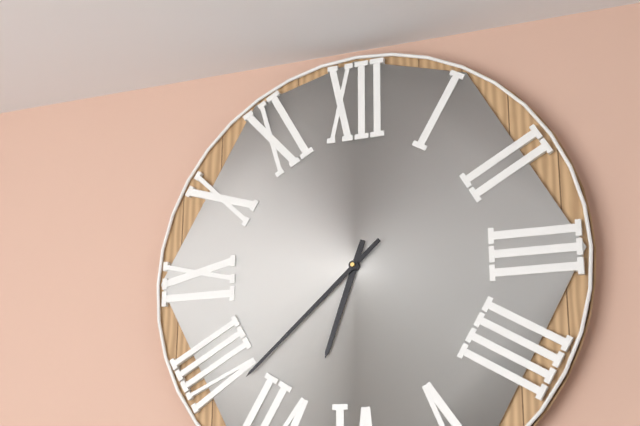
6:38
